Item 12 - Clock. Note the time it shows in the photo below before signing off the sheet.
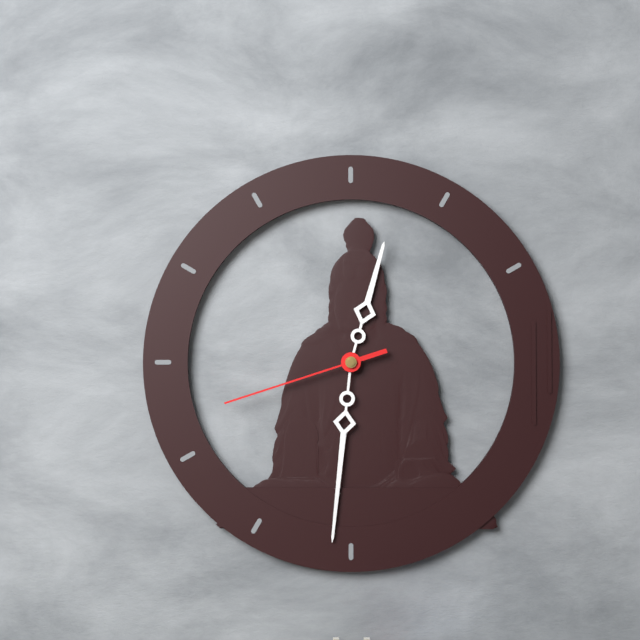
12:31:42
